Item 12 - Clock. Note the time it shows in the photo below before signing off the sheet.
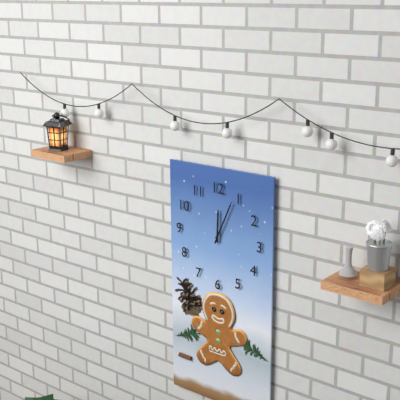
12:04
